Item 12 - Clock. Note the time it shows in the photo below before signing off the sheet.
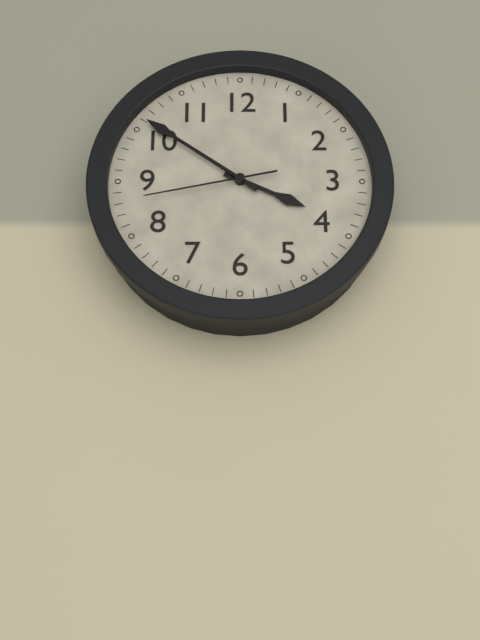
3:51:43
